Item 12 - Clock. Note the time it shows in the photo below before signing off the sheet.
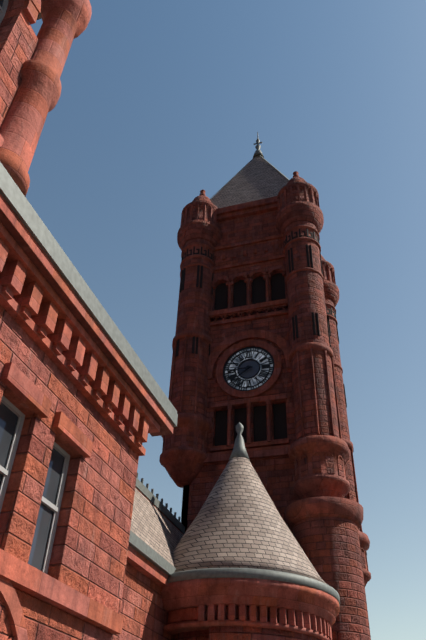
7:45
